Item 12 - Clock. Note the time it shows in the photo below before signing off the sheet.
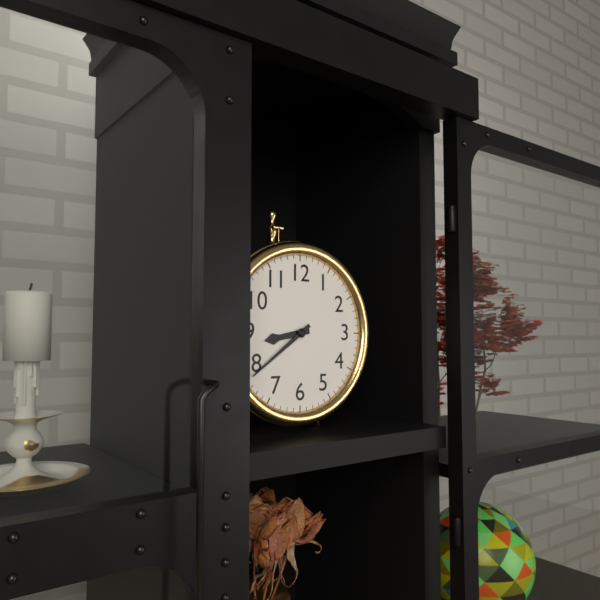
8:39
